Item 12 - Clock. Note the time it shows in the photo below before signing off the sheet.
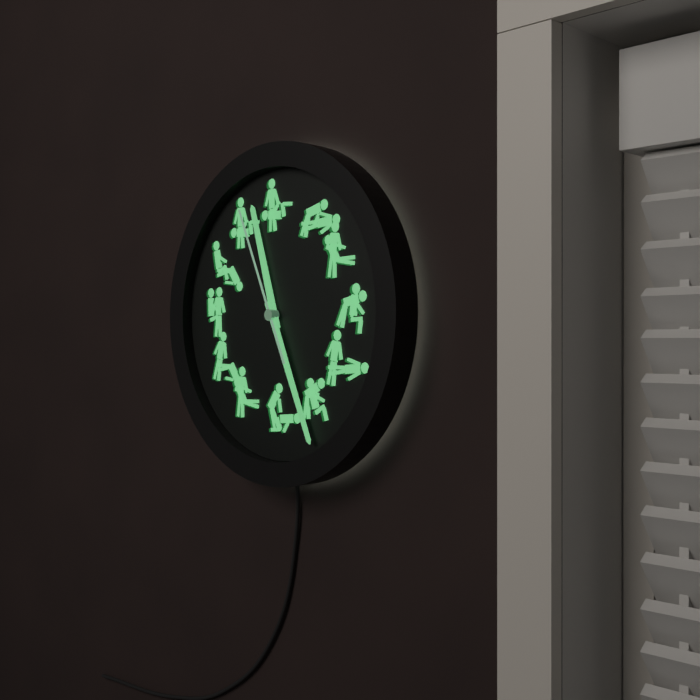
11:26:56
